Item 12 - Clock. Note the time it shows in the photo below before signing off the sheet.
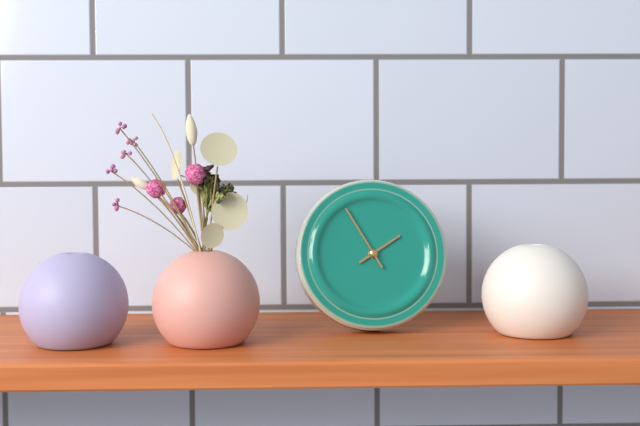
1:55
